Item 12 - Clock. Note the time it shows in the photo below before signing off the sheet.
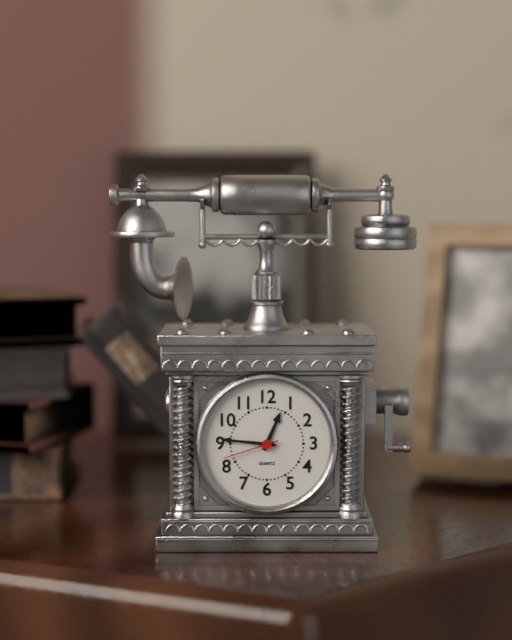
12:46:42
